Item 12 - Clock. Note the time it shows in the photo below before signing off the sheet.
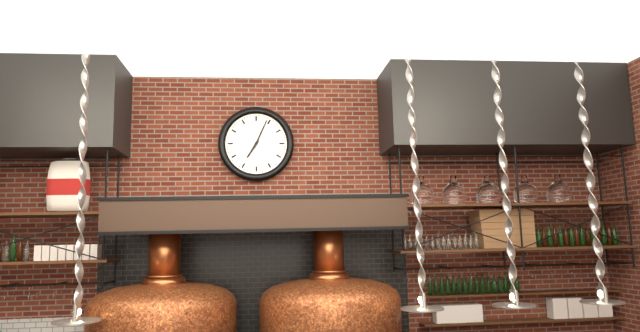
7:04
